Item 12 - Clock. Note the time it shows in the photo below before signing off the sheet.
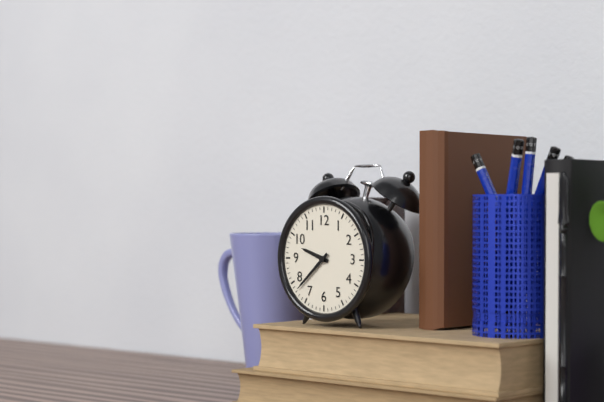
9:38
